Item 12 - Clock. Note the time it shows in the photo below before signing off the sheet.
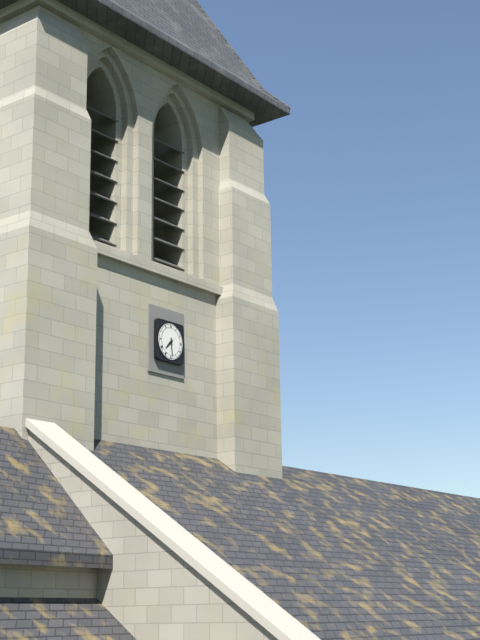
7:29
